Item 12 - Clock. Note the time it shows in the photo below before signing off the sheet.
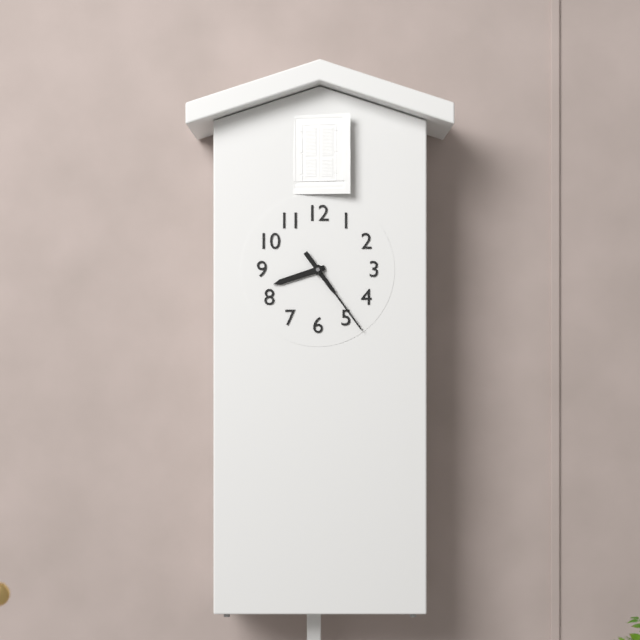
8:24
